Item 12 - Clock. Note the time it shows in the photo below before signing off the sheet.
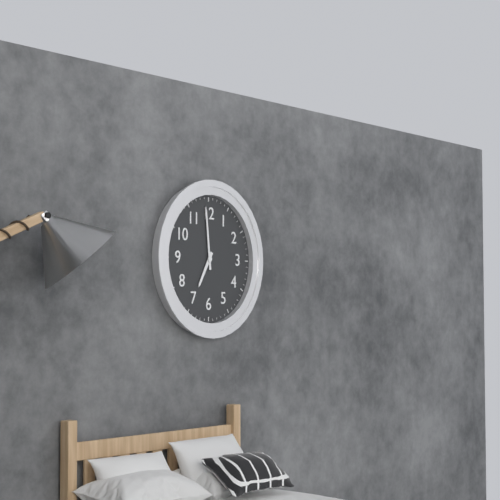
6:59
